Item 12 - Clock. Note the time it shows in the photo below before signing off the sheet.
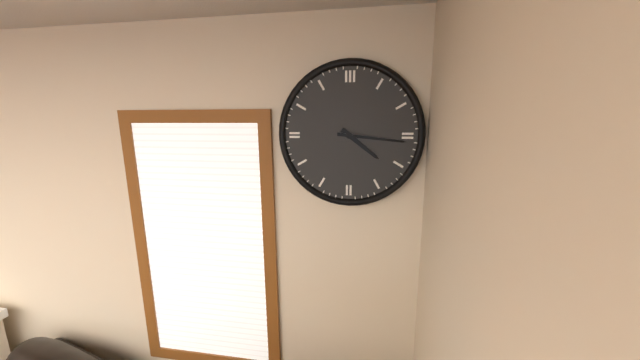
4:16
